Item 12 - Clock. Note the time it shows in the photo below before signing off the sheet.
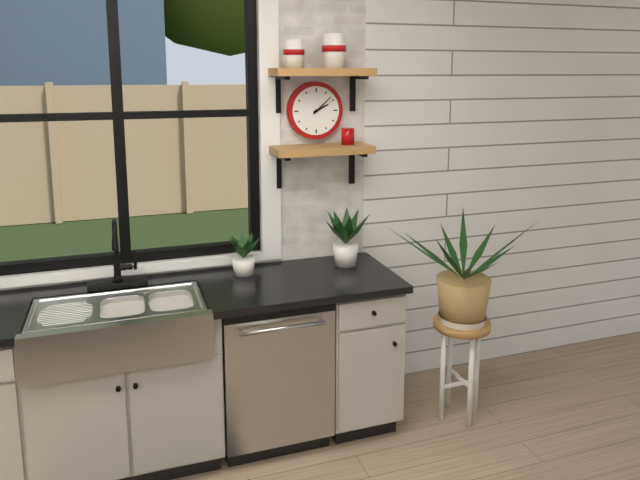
2:08
